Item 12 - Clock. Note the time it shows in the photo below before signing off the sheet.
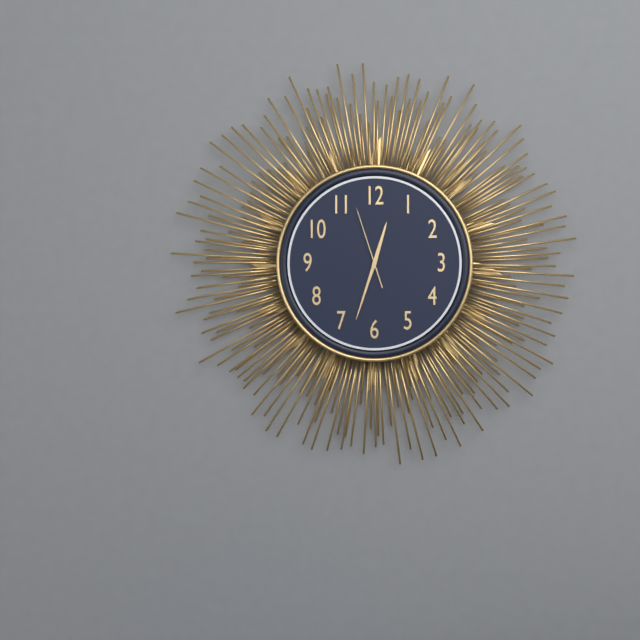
12:33:57
